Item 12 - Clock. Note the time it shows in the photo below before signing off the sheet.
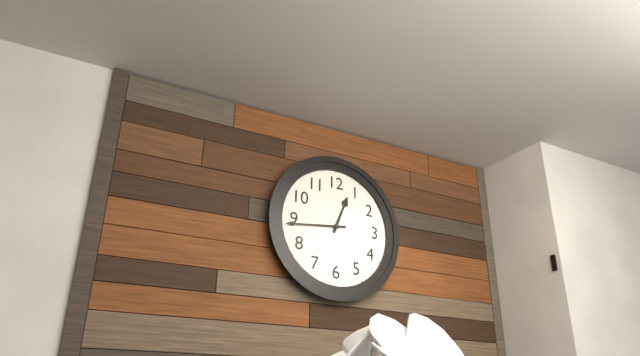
12:44
